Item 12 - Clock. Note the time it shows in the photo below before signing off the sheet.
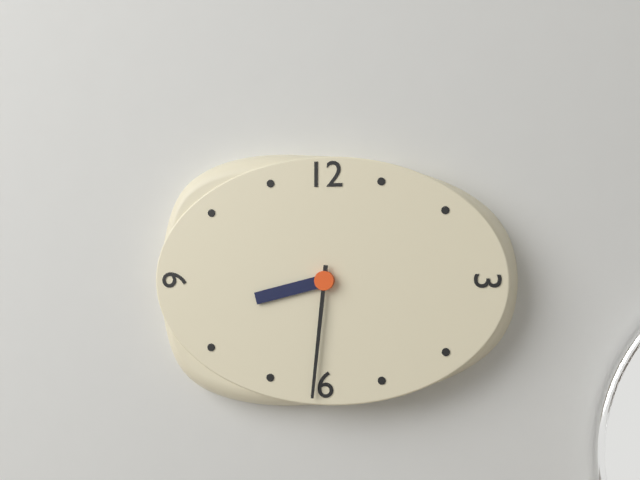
8:31
